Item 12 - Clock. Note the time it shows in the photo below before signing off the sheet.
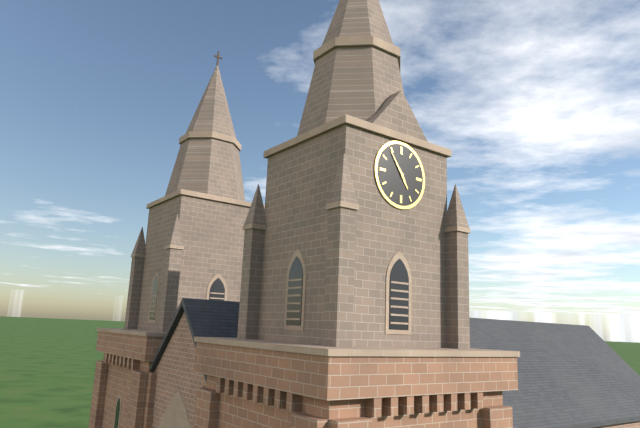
4:54
